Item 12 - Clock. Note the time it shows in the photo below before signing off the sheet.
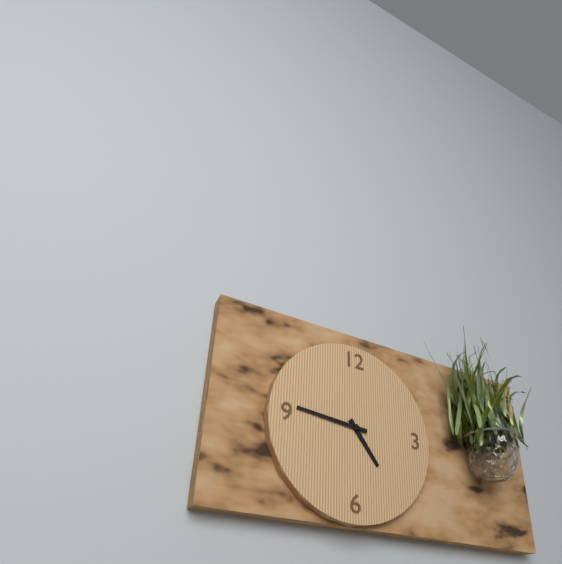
4:46
